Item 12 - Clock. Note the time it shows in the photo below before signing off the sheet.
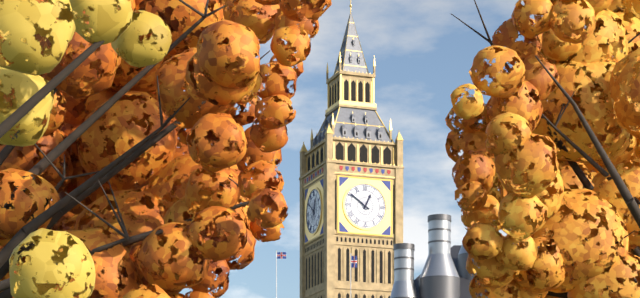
12:51
